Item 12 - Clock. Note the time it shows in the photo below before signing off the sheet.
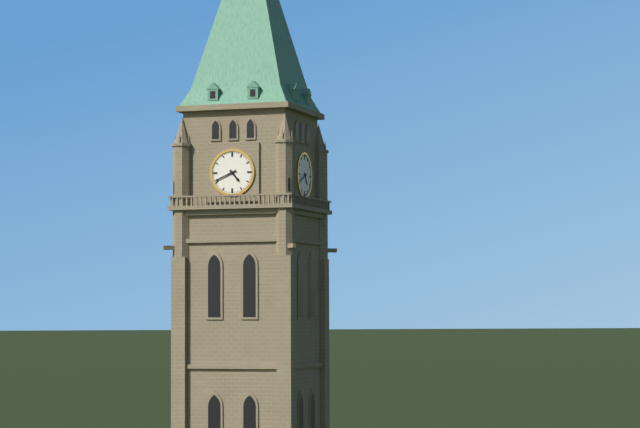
4:41
